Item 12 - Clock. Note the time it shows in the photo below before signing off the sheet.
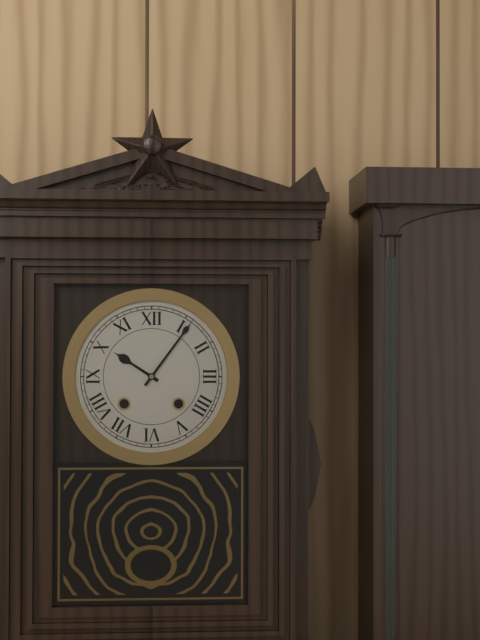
10:06
